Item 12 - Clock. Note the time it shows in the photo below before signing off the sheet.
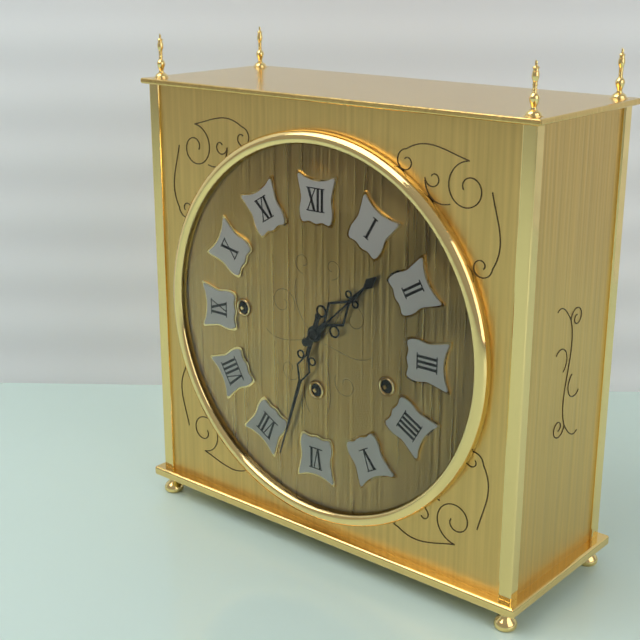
1:33
